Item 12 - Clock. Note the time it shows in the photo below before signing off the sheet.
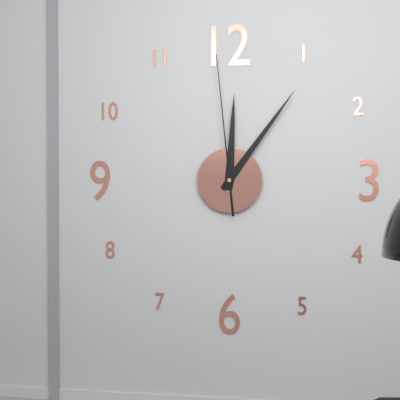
12:06:59
